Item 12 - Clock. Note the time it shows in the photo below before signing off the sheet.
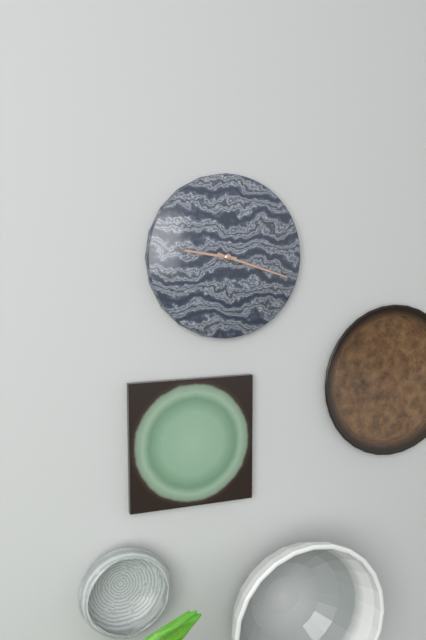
9:18
